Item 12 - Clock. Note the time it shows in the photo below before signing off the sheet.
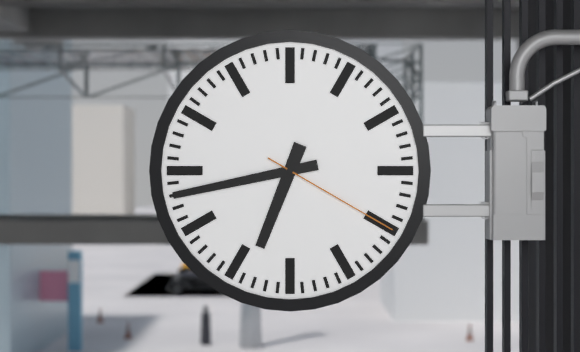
6:43:20
